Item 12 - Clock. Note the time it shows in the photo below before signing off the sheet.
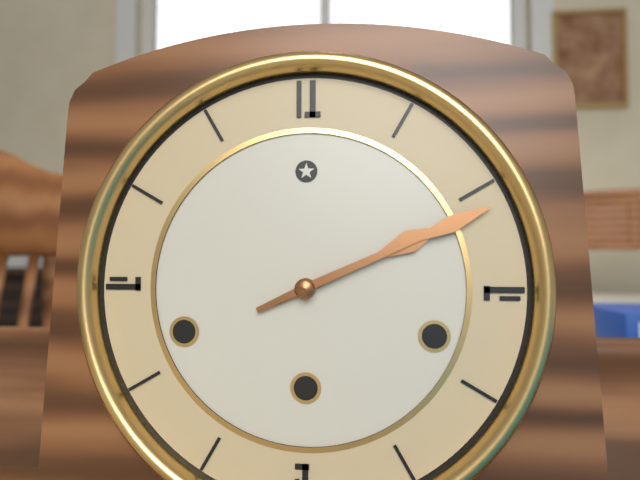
2:11
